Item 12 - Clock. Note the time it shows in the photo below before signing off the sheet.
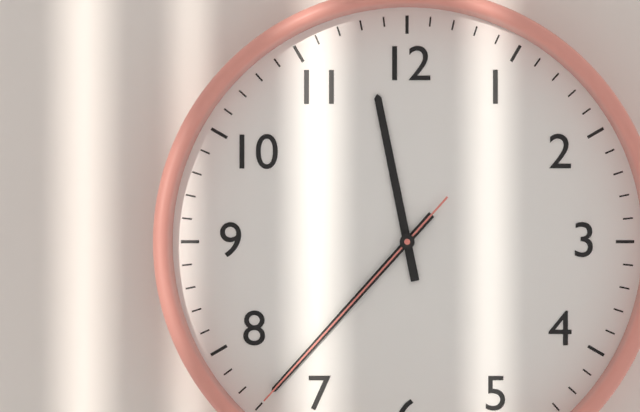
11:37:37
